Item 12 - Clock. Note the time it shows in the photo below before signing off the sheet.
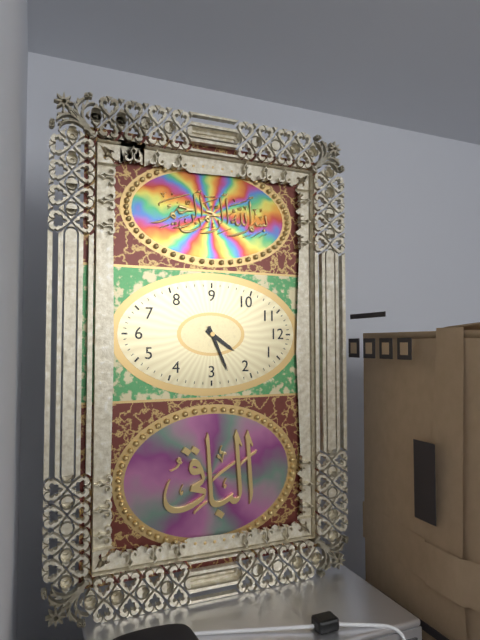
1:11
